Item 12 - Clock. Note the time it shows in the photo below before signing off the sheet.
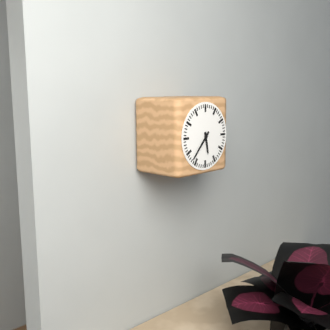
5:37
